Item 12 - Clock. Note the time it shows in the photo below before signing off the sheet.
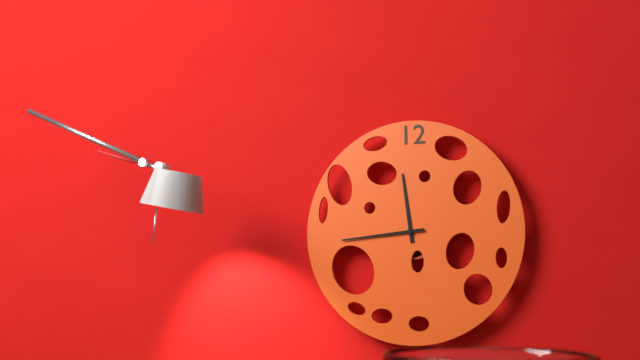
11:44
